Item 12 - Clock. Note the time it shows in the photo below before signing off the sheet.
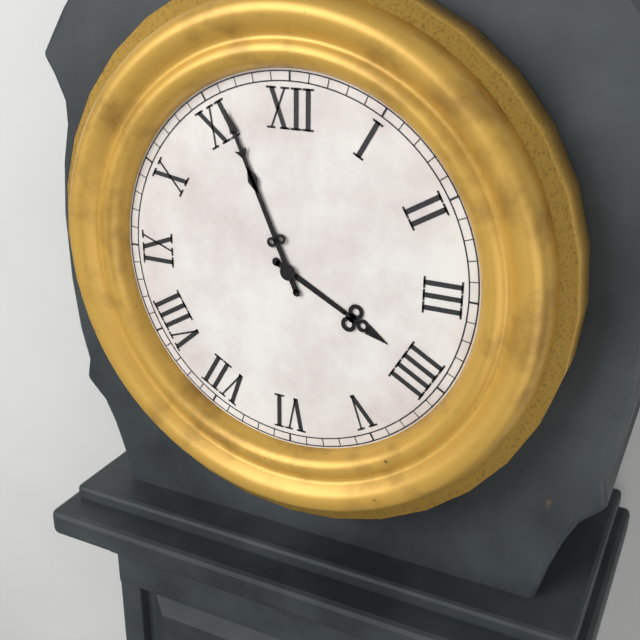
3:56
